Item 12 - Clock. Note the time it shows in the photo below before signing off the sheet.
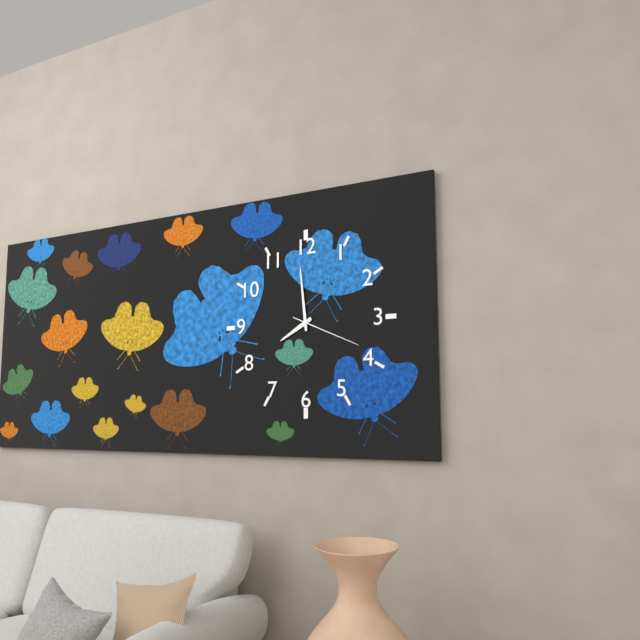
7:59:19
